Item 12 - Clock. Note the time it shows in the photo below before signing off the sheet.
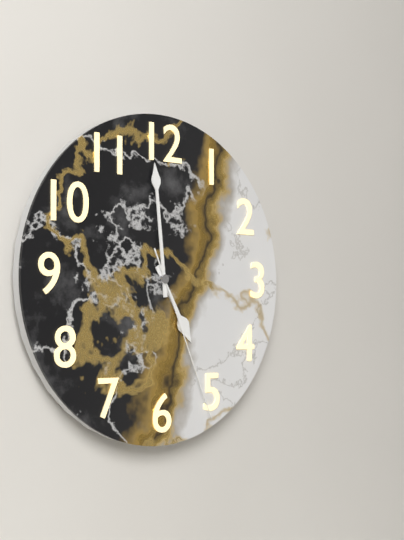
4:59:26
